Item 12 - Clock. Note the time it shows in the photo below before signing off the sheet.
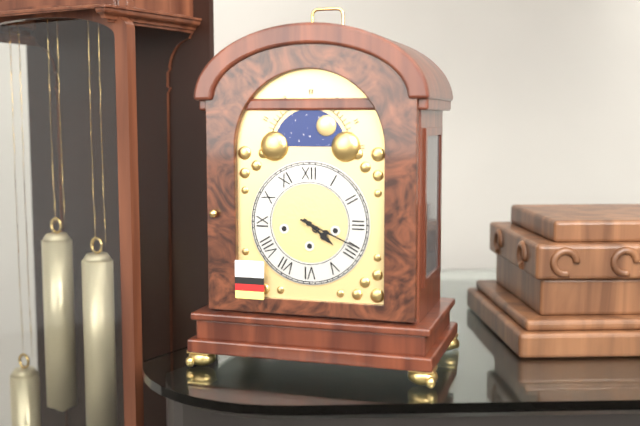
4:19
